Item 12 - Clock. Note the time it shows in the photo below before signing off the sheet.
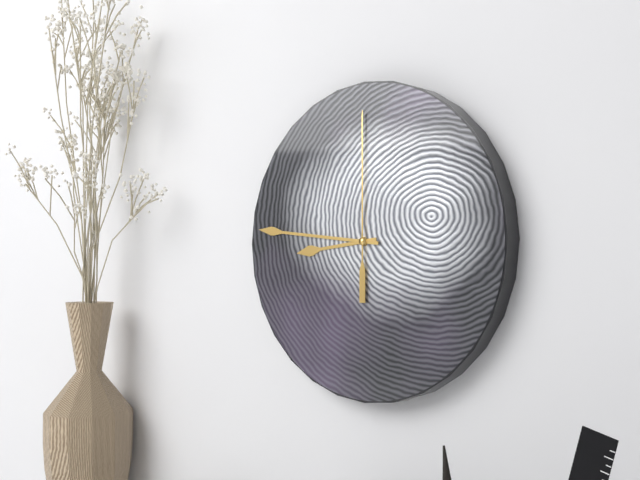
8:46:00
